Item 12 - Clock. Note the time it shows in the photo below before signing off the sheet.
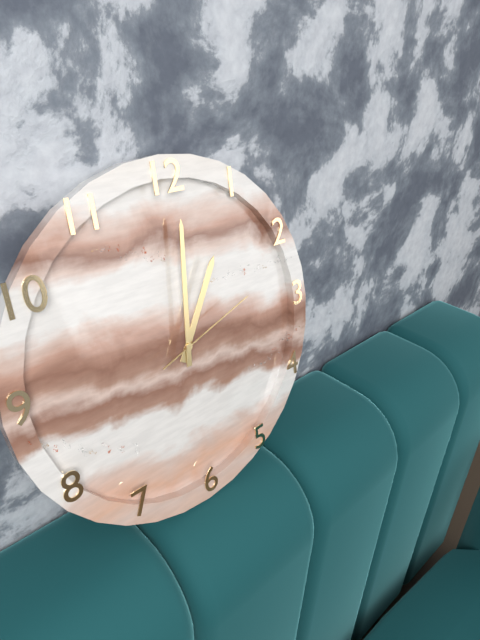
1:01:12
